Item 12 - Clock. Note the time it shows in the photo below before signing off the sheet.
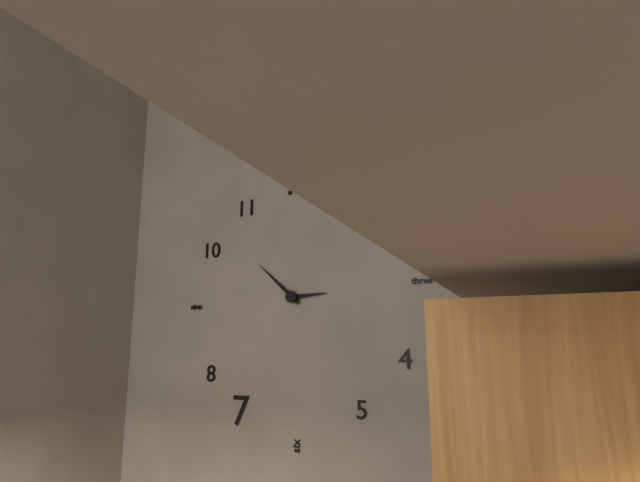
2:52
